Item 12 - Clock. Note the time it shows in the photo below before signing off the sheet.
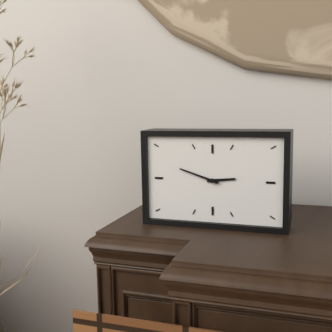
2:48
